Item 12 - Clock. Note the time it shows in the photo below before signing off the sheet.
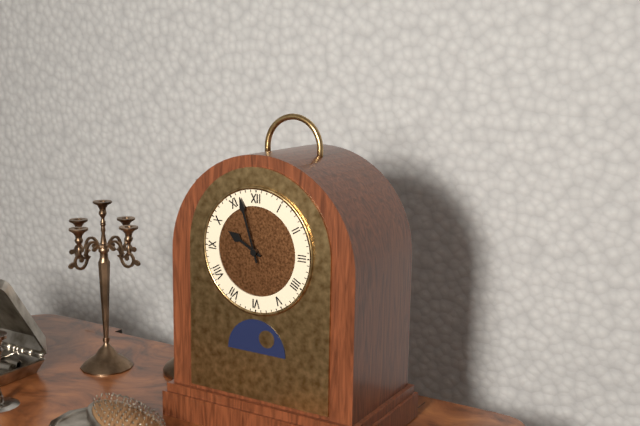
9:57
